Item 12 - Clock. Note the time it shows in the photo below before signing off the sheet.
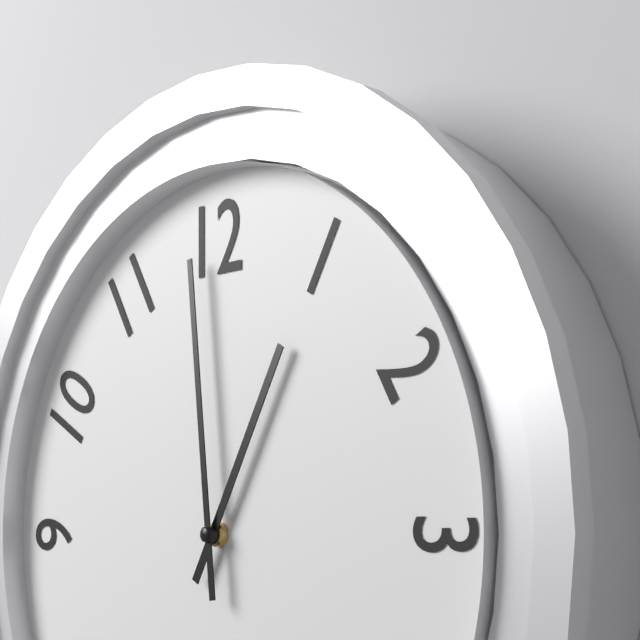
12:59
